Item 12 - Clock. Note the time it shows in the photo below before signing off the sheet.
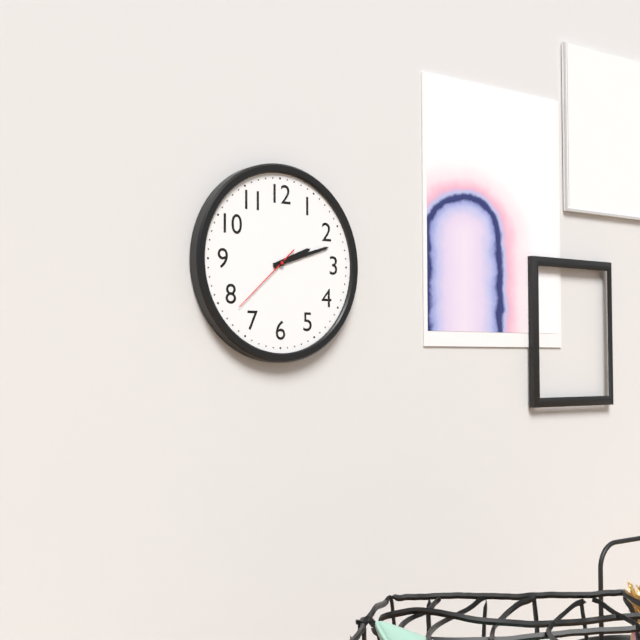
2:12:38
